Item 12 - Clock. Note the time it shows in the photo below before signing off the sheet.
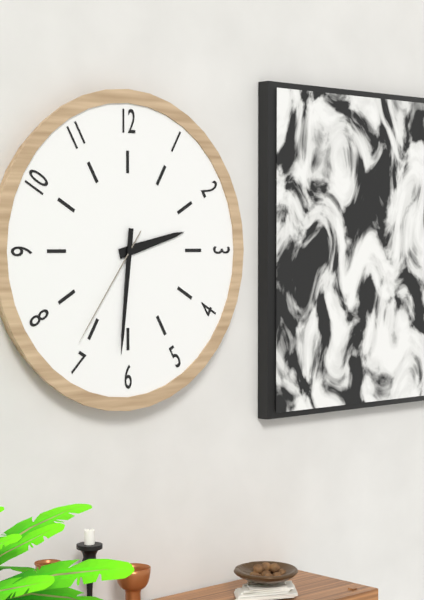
2:31:36
